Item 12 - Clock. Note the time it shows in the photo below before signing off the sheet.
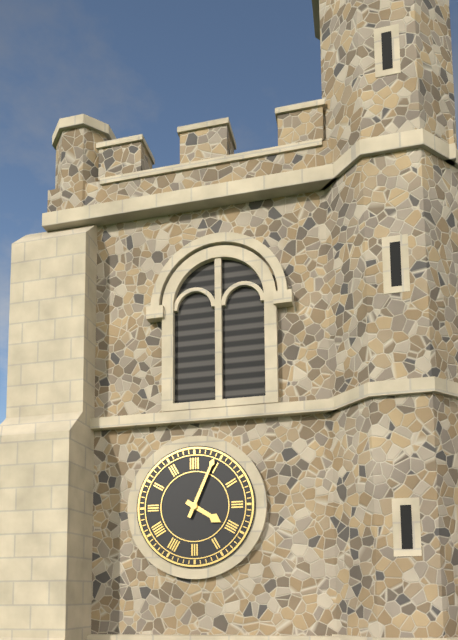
4:04
